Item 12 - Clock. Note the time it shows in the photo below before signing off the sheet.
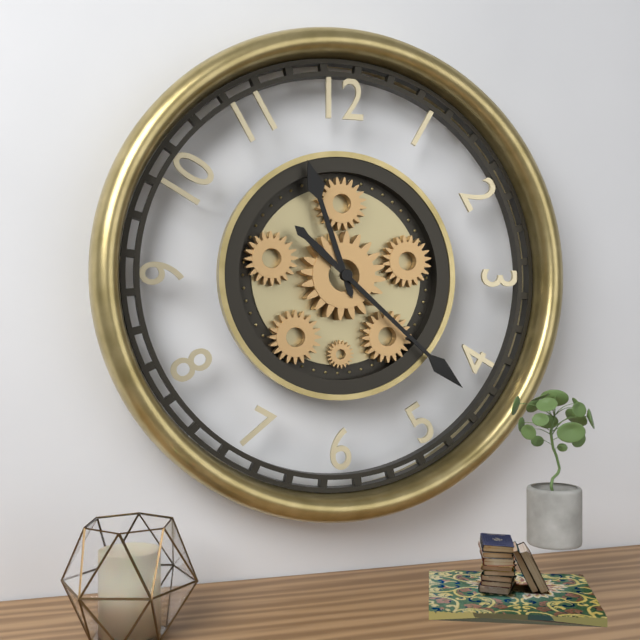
11:22
